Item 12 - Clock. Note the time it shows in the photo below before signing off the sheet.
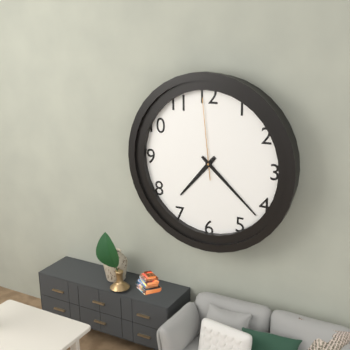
7:22:59
